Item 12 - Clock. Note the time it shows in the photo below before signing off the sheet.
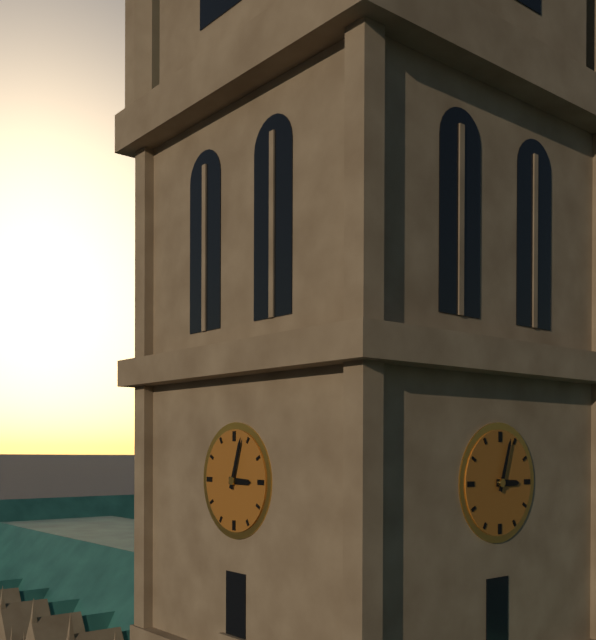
3:03
